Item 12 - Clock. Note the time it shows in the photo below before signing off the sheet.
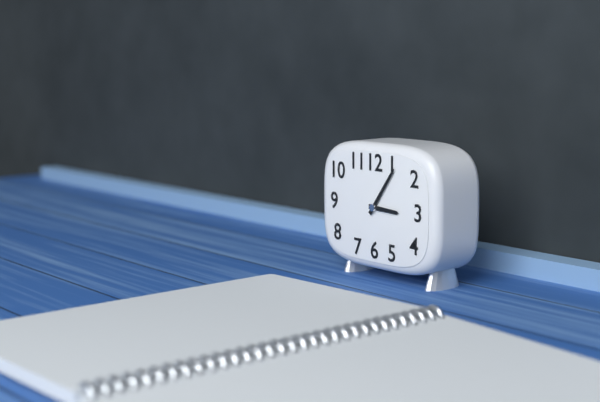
3:06
